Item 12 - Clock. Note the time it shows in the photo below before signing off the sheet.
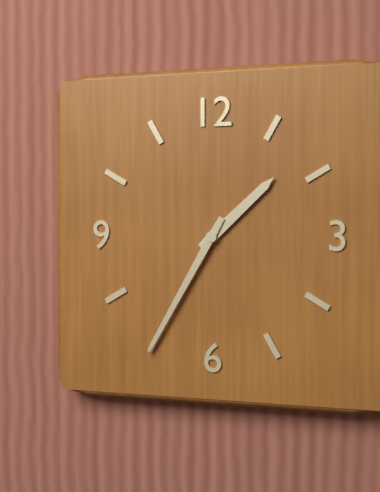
1:35
